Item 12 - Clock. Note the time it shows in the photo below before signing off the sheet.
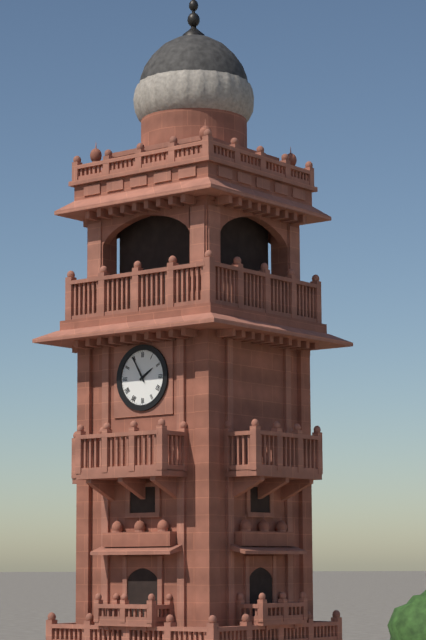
1:55
